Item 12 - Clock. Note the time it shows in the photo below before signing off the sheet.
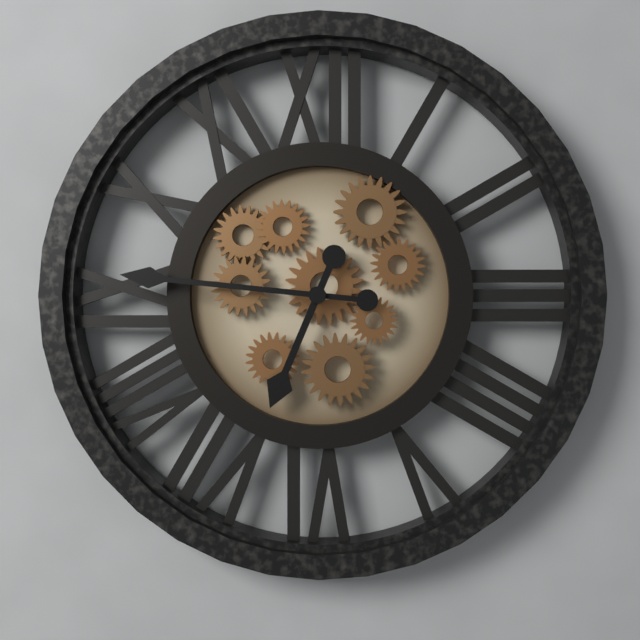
6:46
